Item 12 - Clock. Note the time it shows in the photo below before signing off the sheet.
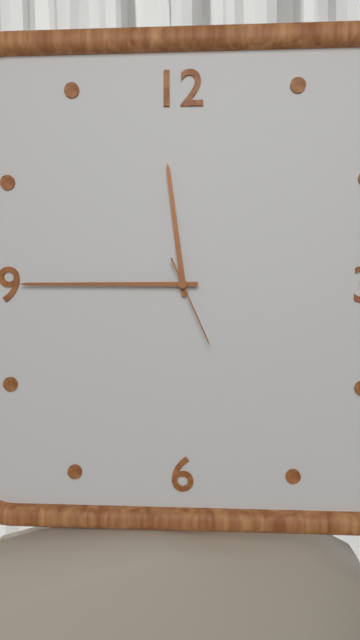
11:45:26
